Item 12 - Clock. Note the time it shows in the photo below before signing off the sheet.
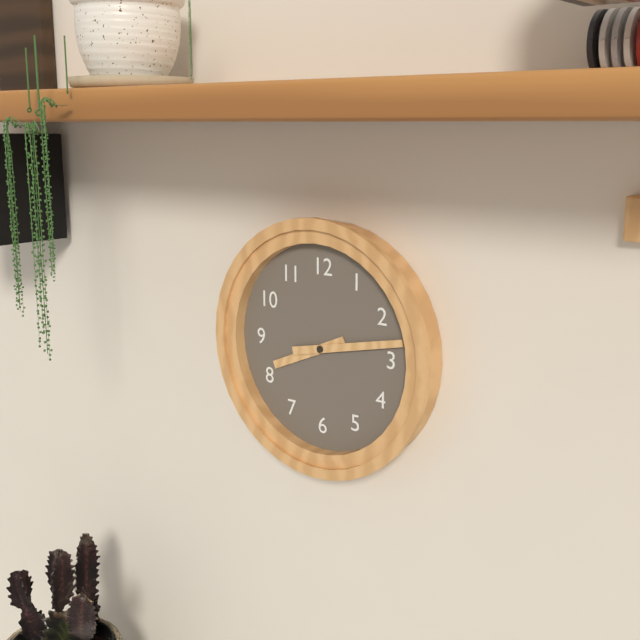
8:13
